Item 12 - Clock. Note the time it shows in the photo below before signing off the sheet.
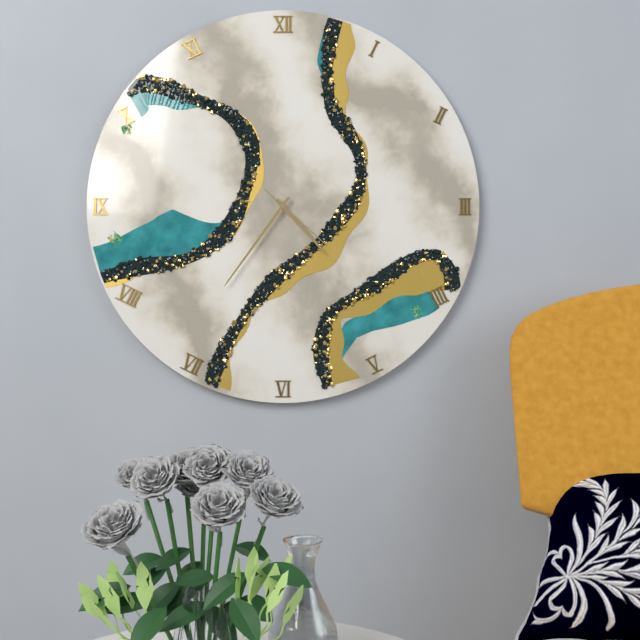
4:36:22
